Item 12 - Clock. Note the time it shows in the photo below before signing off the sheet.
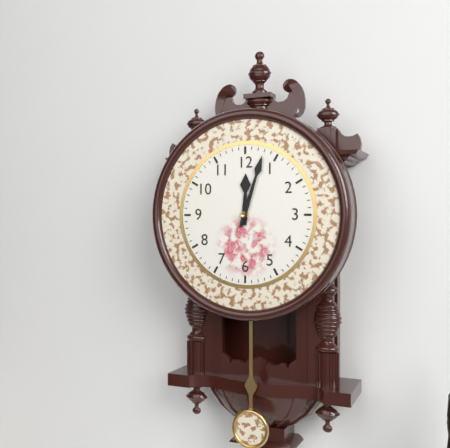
12:03
